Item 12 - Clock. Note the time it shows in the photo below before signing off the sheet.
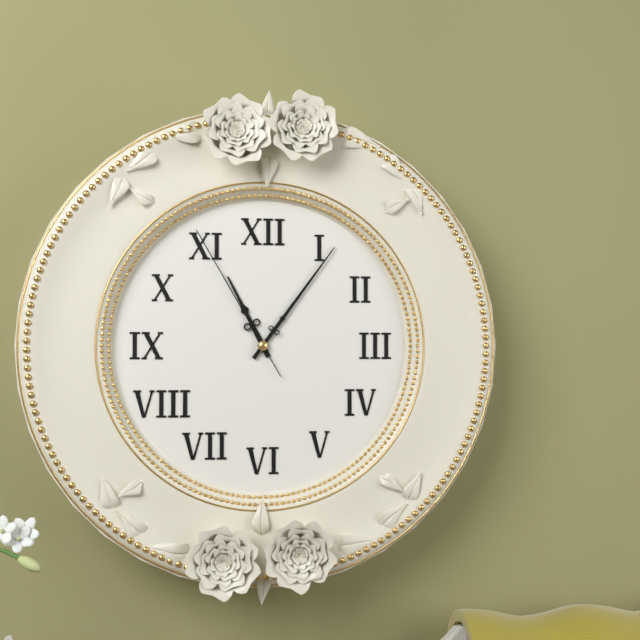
11:06:55
